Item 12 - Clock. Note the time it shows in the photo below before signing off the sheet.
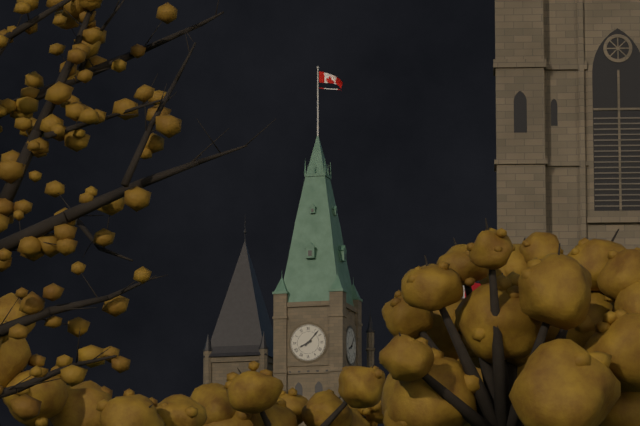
8:07
